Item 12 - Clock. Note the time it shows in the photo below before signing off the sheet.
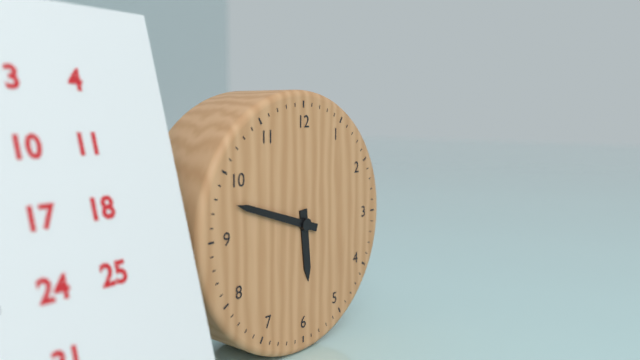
5:48
